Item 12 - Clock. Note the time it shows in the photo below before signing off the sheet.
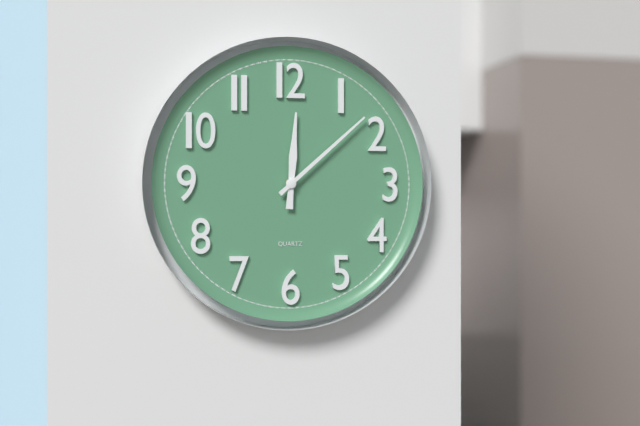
12:08
